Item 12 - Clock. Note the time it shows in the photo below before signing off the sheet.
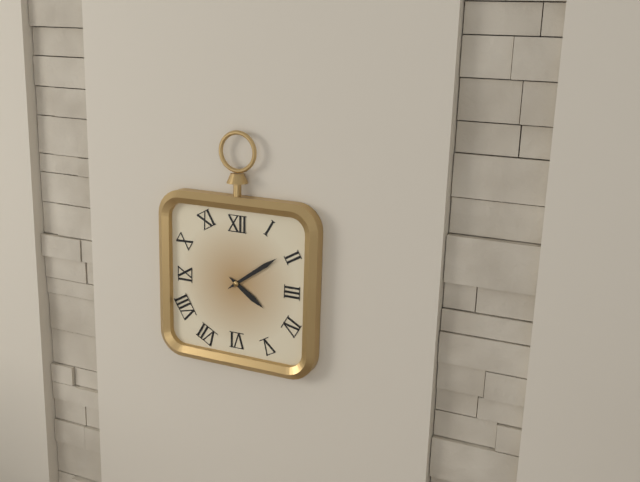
4:09
